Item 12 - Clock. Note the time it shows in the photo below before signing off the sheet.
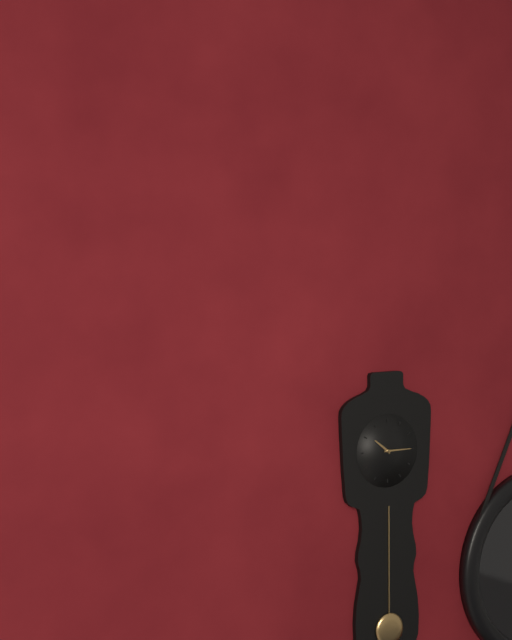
10:15
